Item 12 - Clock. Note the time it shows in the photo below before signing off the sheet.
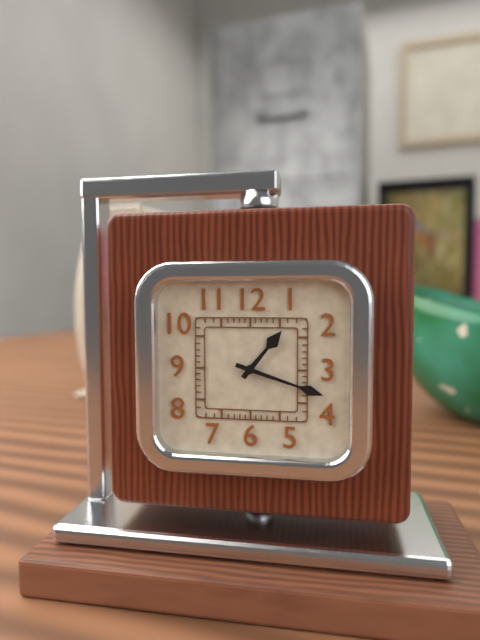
1:18
